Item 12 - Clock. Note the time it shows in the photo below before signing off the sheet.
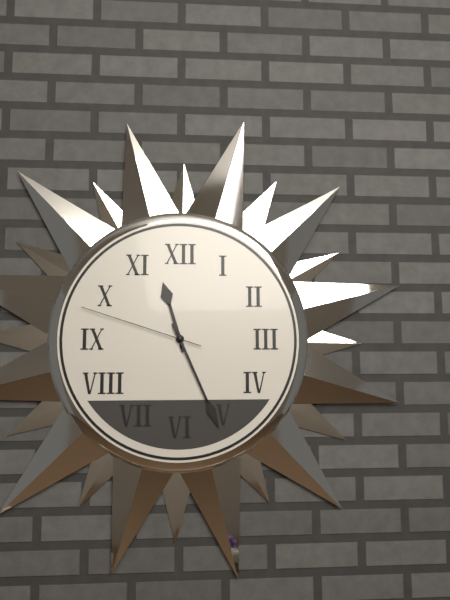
11:26:48
